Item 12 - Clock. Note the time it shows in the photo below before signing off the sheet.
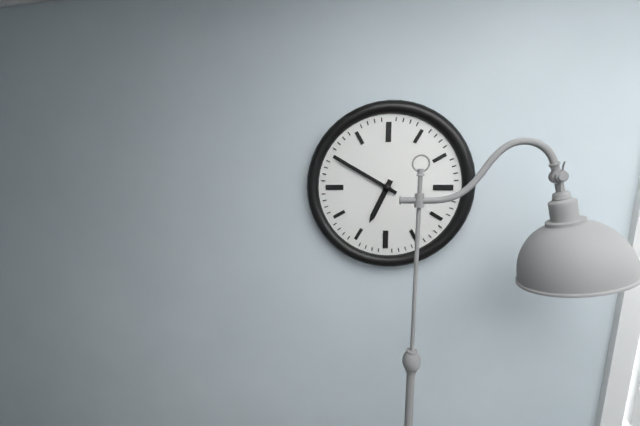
6:50
